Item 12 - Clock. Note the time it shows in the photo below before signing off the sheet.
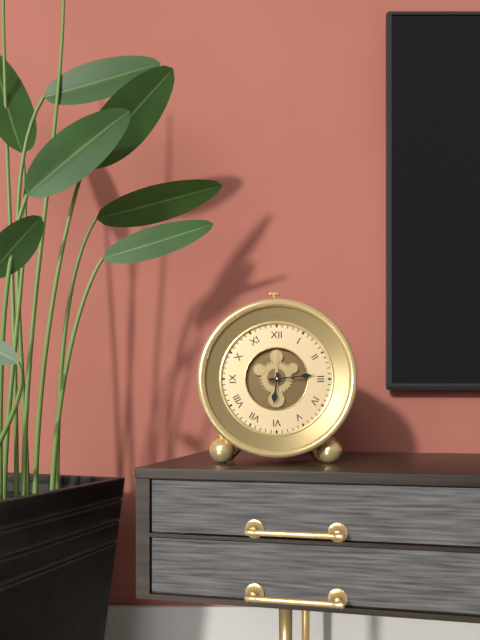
6:14
